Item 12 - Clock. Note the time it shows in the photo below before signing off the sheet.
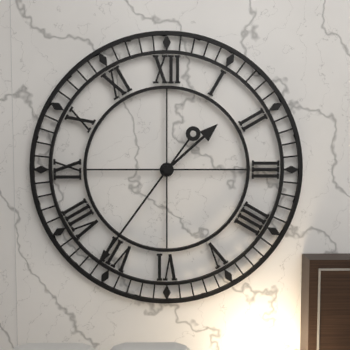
1:36
